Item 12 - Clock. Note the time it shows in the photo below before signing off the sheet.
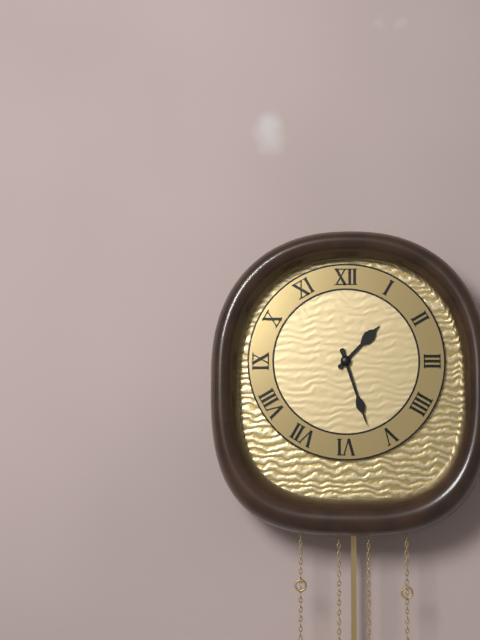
1:27
